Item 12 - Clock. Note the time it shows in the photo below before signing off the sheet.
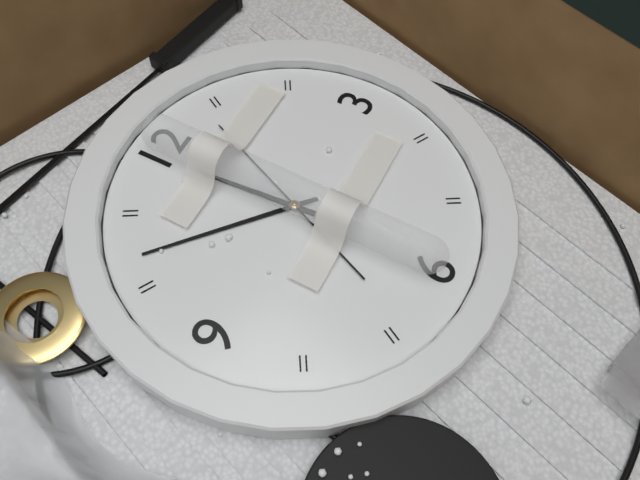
11:52:04
